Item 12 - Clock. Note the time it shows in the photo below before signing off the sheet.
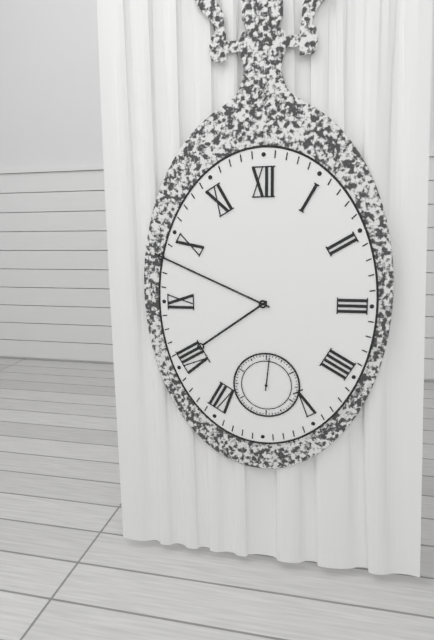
7:49
